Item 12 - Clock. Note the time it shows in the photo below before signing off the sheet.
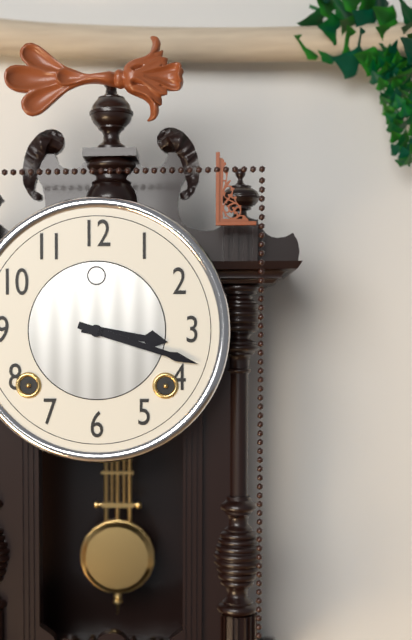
3:18
